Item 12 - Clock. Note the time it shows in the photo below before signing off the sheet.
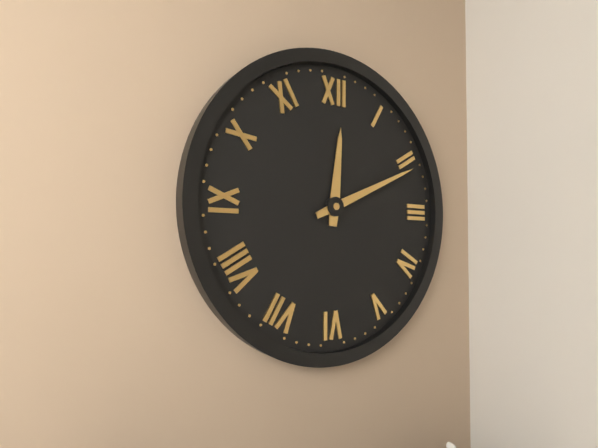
12:11
